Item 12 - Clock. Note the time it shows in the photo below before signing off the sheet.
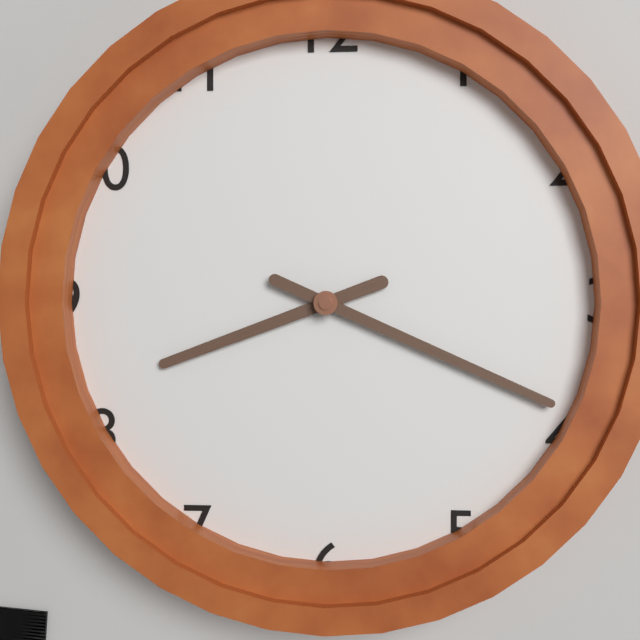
8:19
